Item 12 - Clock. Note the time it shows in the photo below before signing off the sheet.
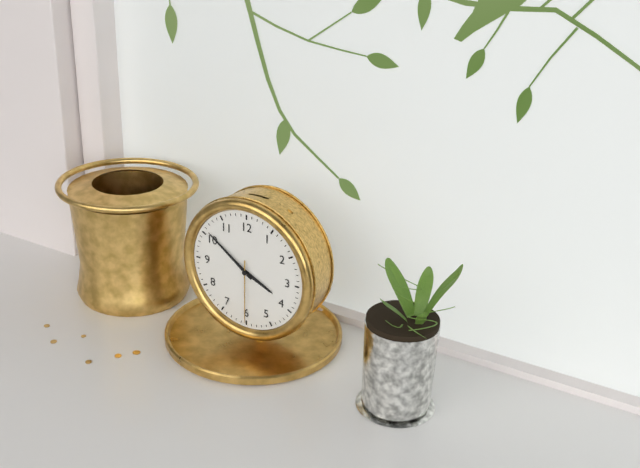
3:51:30
